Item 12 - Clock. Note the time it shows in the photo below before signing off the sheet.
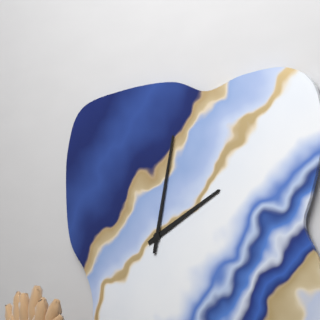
2:02
